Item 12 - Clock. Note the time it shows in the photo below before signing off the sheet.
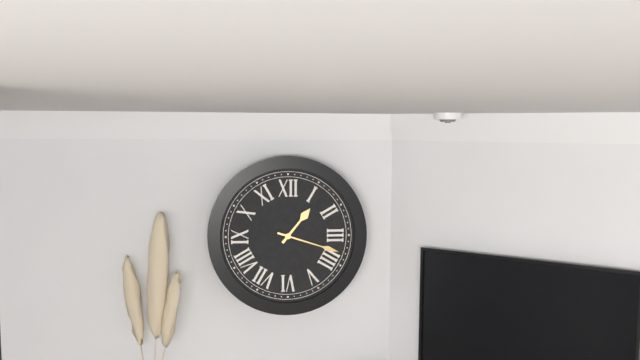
1:18
